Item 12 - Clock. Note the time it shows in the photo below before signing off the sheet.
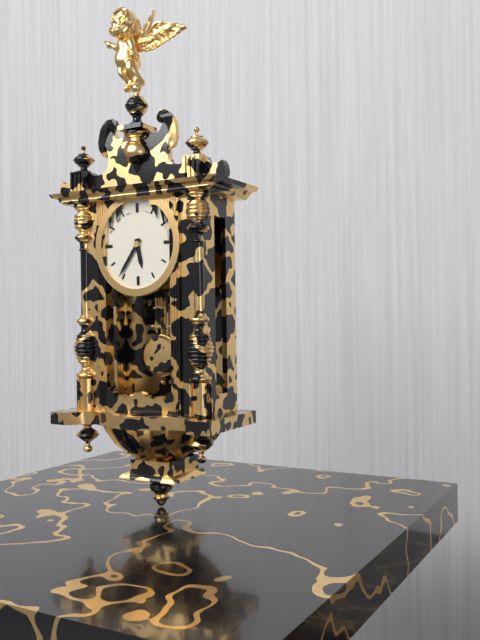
5:36
